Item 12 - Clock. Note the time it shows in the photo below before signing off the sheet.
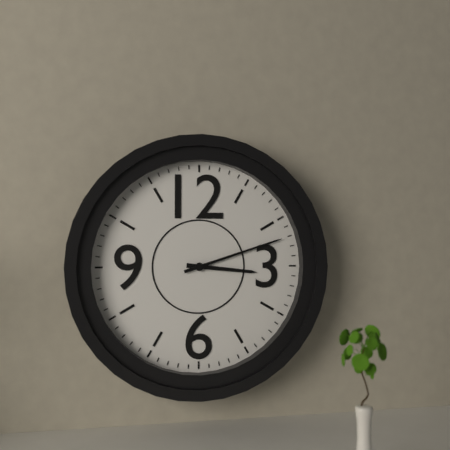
3:12
